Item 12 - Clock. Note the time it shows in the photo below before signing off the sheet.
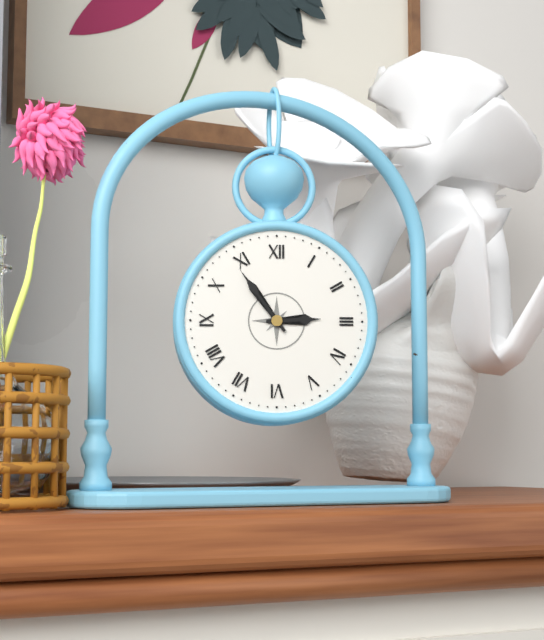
2:54
